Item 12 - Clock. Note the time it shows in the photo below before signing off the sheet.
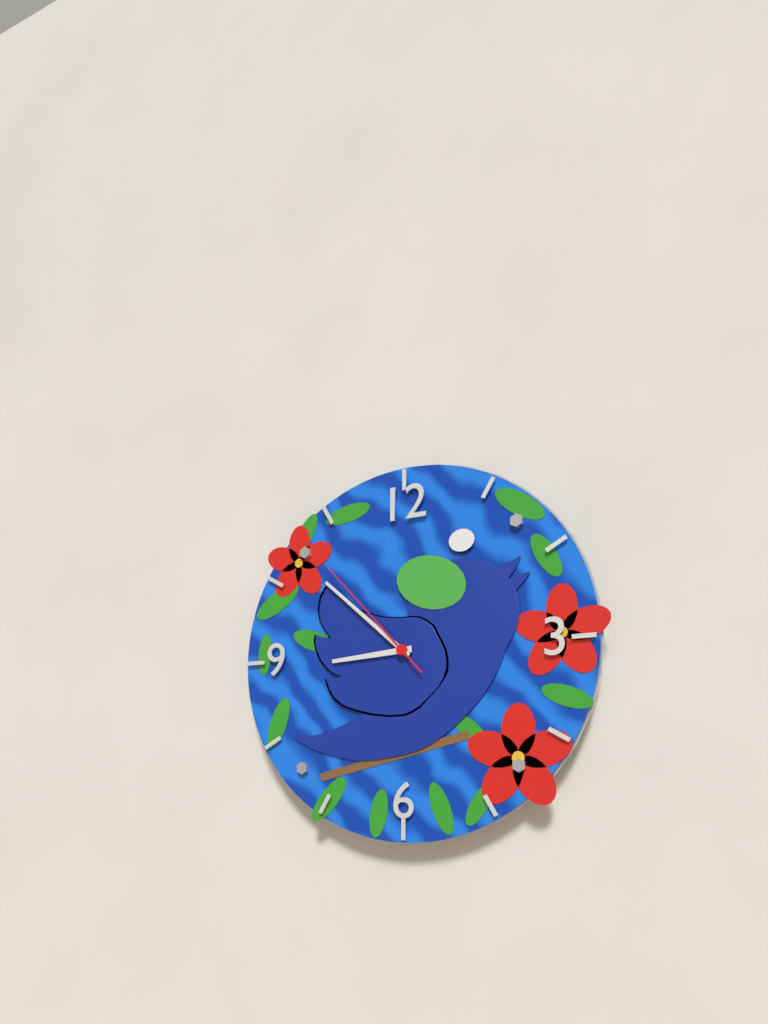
8:52:53
